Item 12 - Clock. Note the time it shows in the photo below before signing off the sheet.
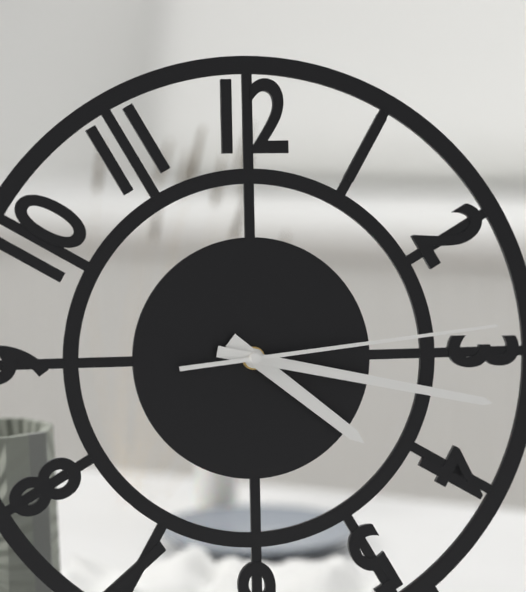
4:17:14
